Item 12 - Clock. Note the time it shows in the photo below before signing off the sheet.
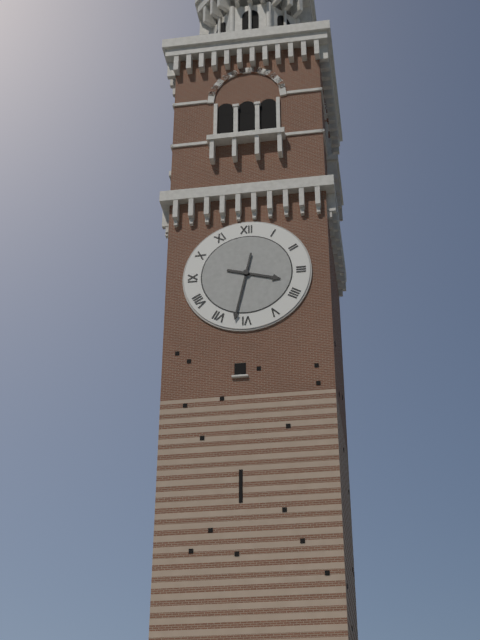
3:32
